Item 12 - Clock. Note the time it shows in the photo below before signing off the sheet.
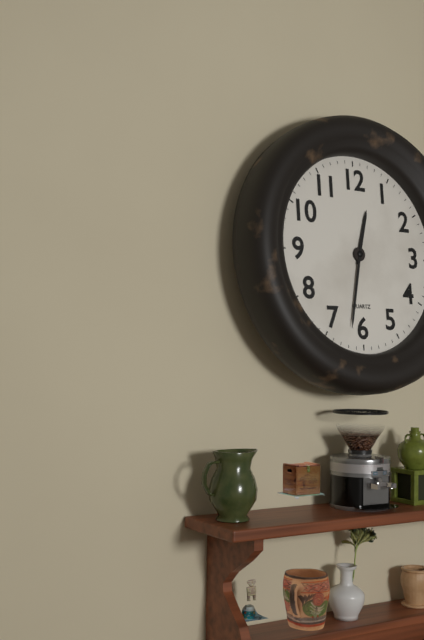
12:32
